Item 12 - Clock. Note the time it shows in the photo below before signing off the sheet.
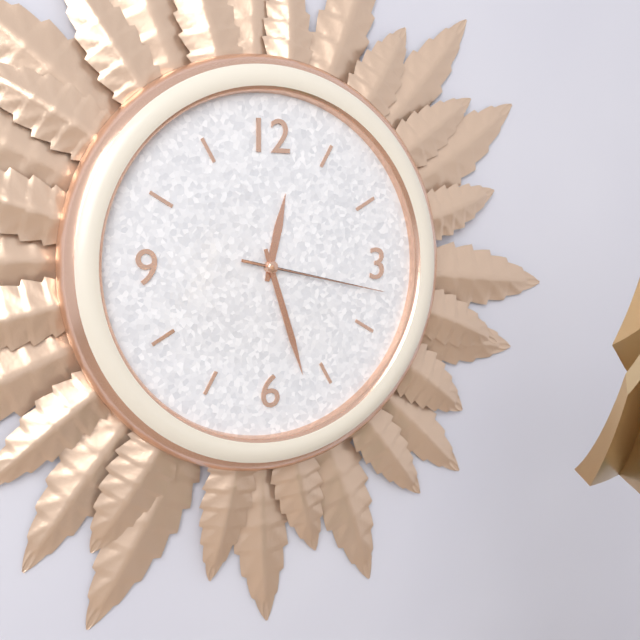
12:27:17
